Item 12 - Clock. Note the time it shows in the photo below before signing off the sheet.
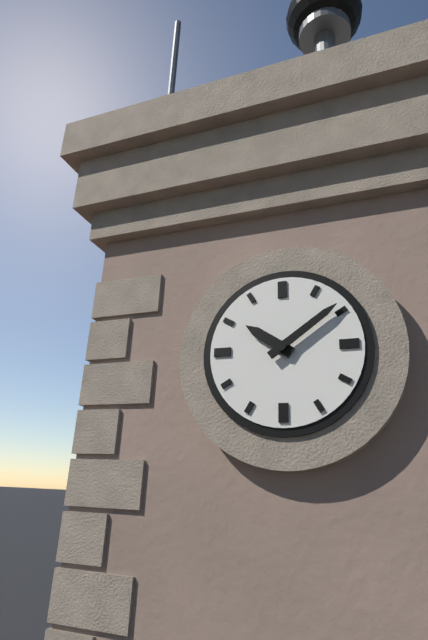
10:09
